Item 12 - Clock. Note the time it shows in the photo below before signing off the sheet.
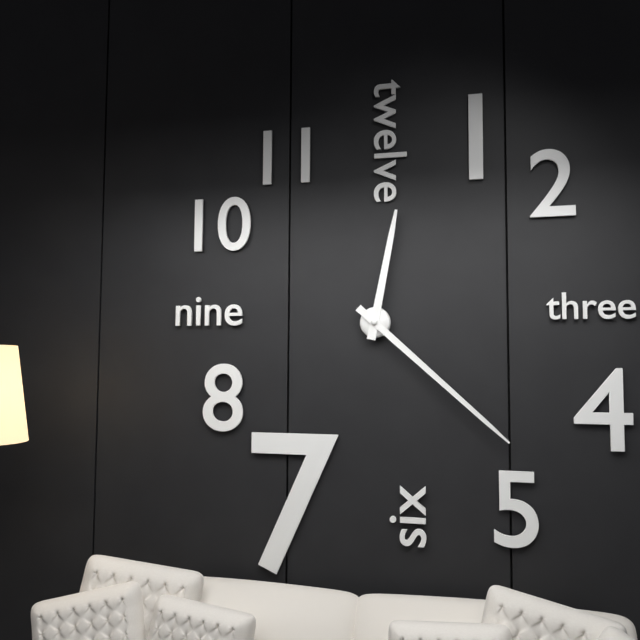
12:22
